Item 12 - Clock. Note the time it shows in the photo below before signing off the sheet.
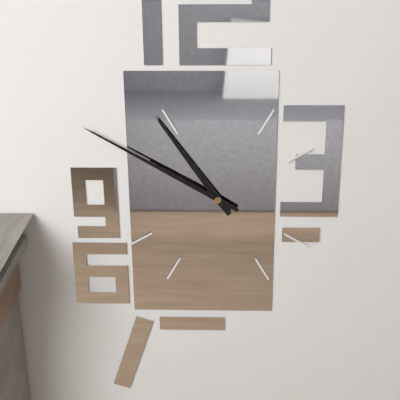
10:50
